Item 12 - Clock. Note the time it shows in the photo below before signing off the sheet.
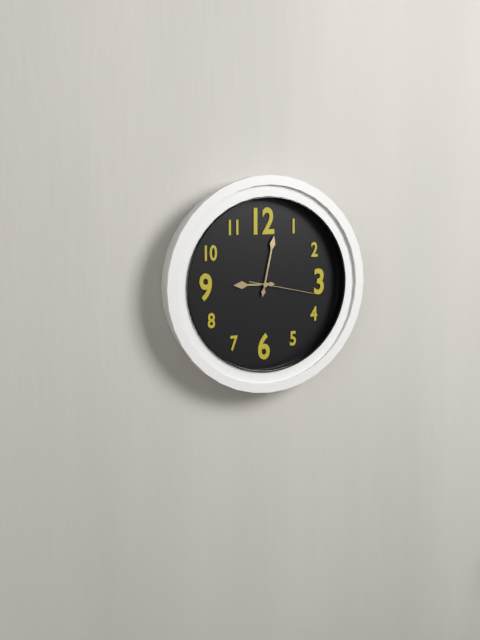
9:02:17
